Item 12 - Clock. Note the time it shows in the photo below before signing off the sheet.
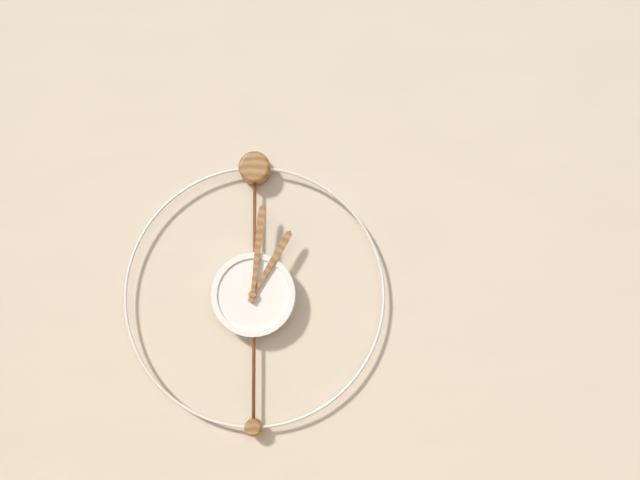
1:01
